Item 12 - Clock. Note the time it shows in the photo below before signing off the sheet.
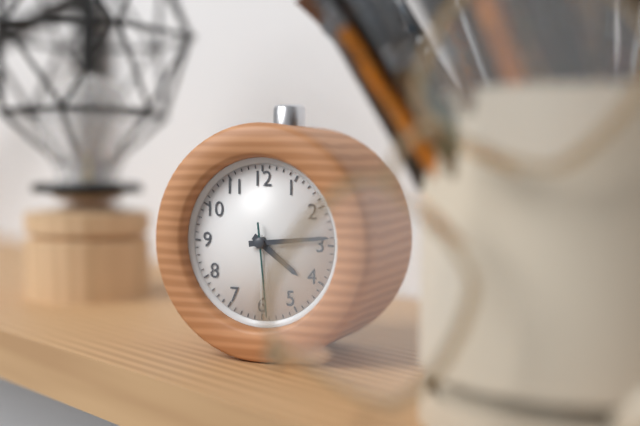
4:14
